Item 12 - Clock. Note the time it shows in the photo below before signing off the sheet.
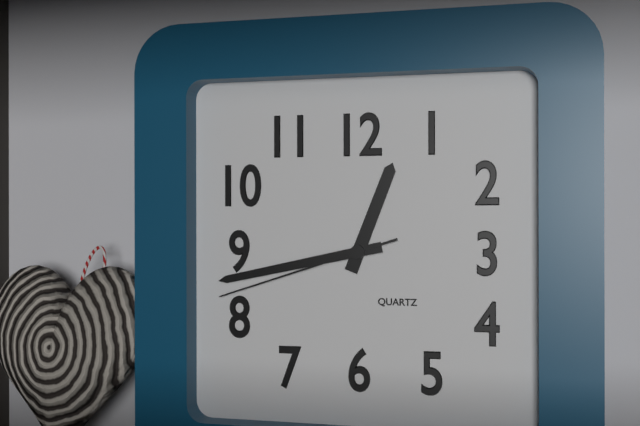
12:43:42
